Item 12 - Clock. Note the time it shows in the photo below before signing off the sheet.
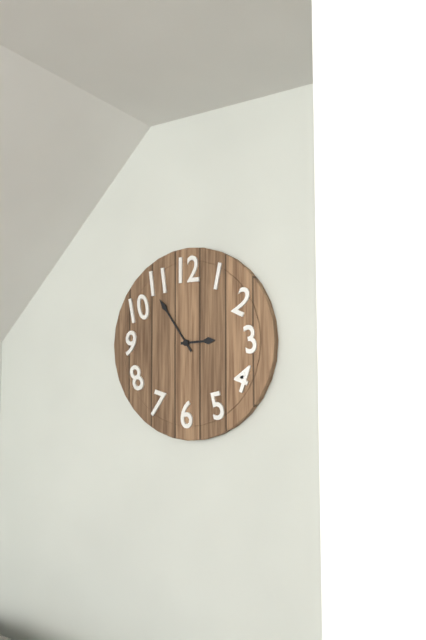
2:54
